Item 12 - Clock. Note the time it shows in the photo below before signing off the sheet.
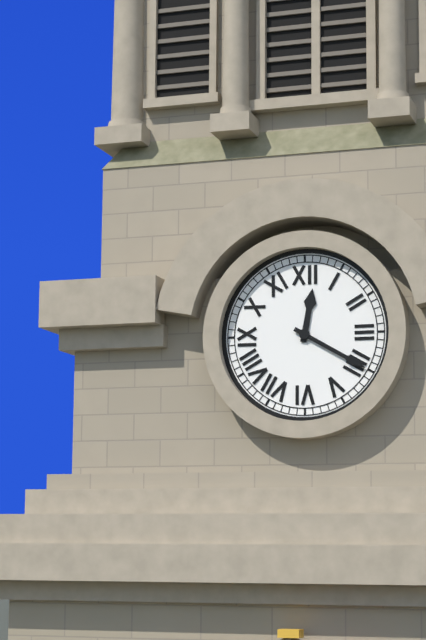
12:20
